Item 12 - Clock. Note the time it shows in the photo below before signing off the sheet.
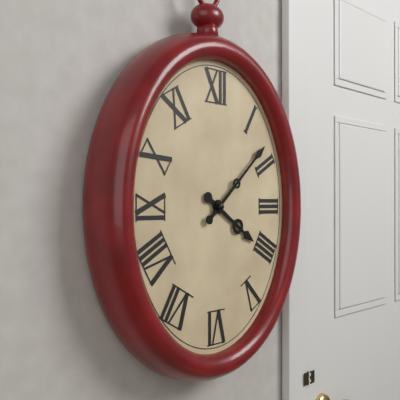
4:08
